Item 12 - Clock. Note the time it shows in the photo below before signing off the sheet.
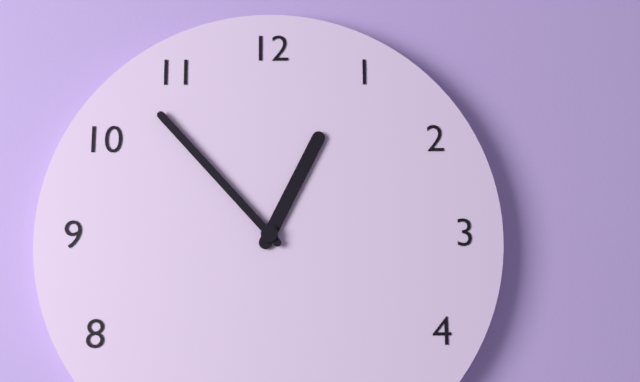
12:53
